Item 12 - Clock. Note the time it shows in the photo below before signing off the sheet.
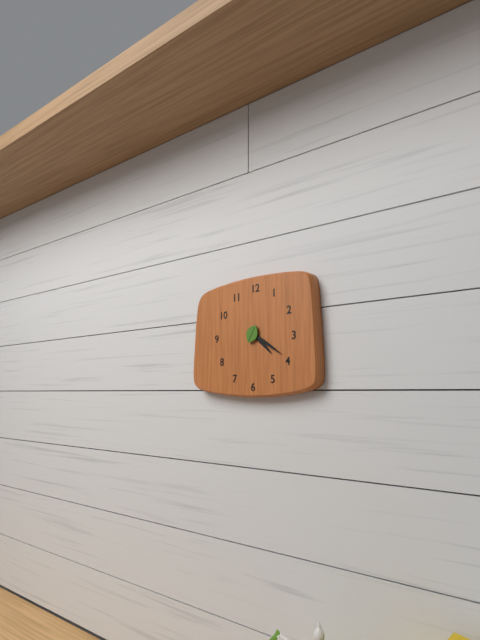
4:20
